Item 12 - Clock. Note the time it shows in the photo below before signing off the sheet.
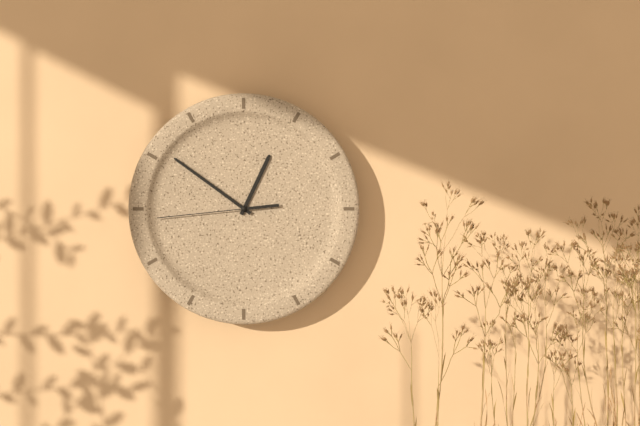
12:51:44
